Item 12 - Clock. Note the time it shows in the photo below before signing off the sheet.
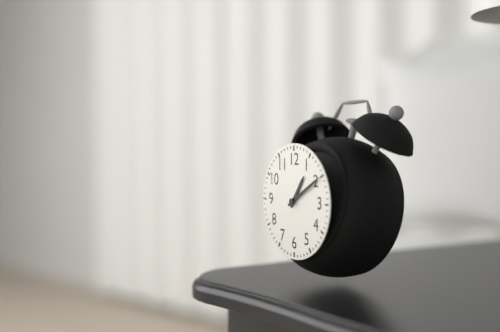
1:10
